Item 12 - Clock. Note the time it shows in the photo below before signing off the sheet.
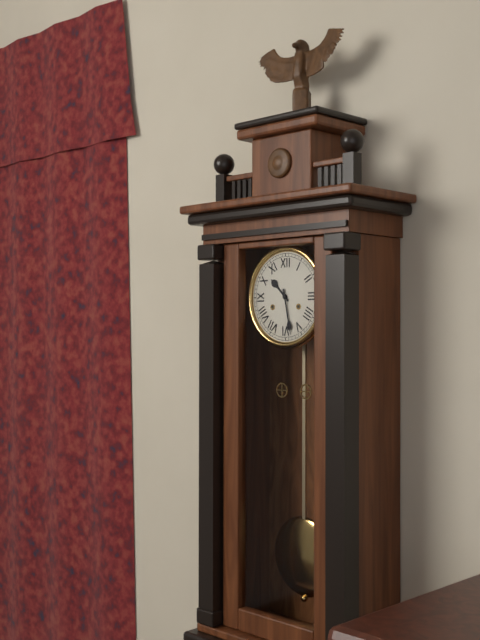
10:28
